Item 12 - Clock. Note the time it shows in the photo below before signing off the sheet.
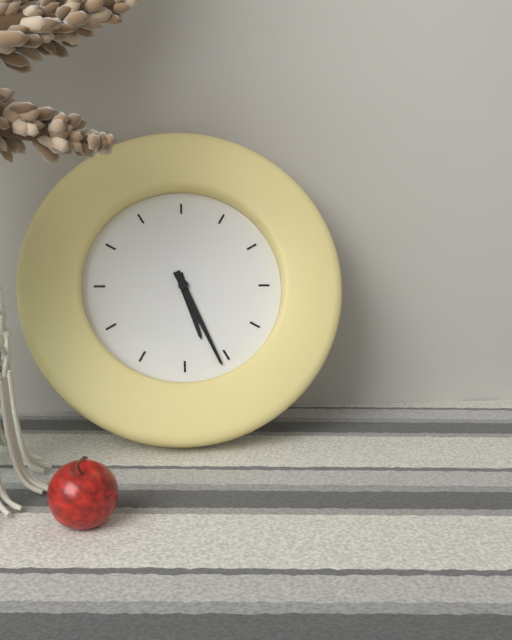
5:26
